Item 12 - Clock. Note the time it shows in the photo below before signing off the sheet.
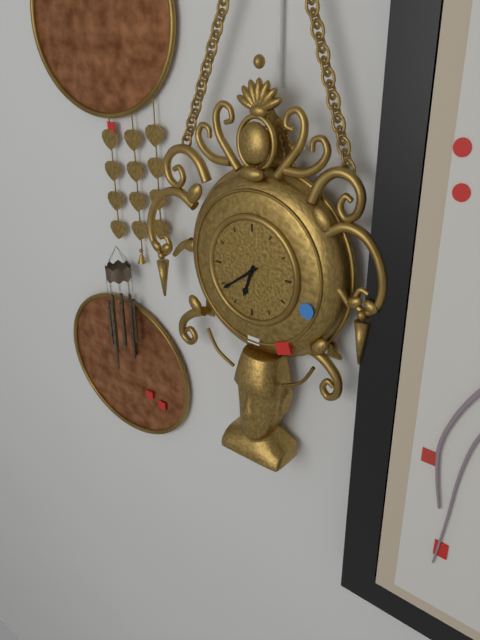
6:39
